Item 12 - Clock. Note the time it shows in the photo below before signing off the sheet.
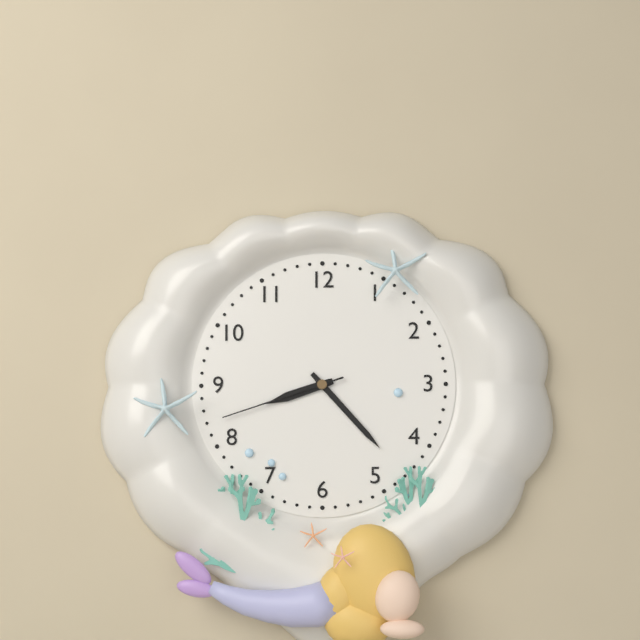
8:23:42
